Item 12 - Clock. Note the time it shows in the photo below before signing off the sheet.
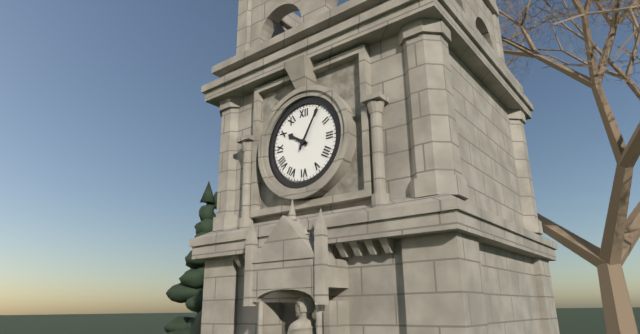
10:05
